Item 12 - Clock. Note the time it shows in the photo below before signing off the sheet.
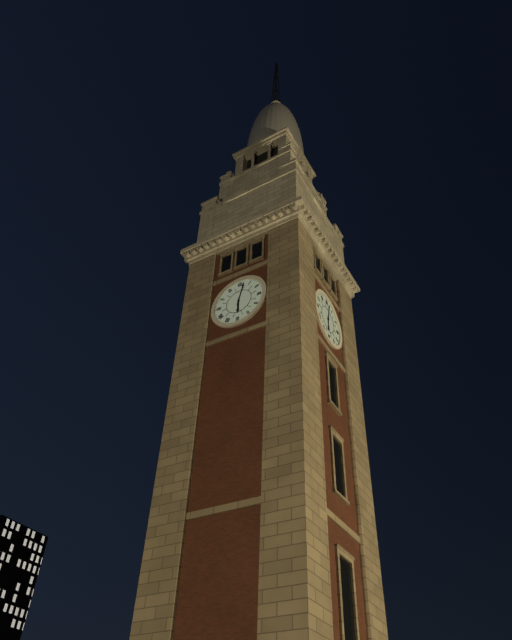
6:02
